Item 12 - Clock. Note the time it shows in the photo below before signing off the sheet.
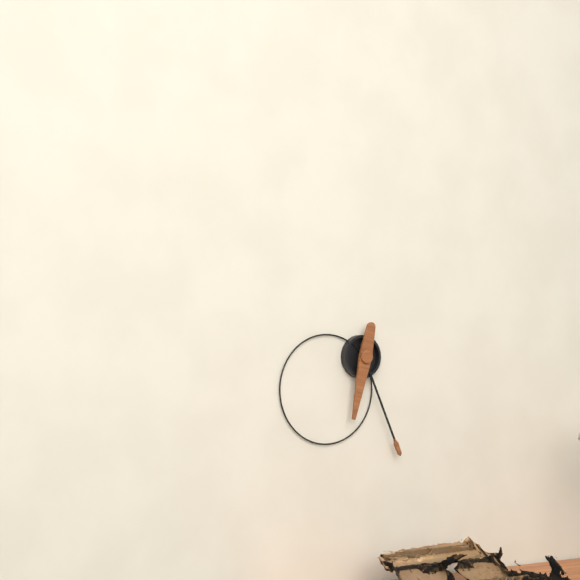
6:26
